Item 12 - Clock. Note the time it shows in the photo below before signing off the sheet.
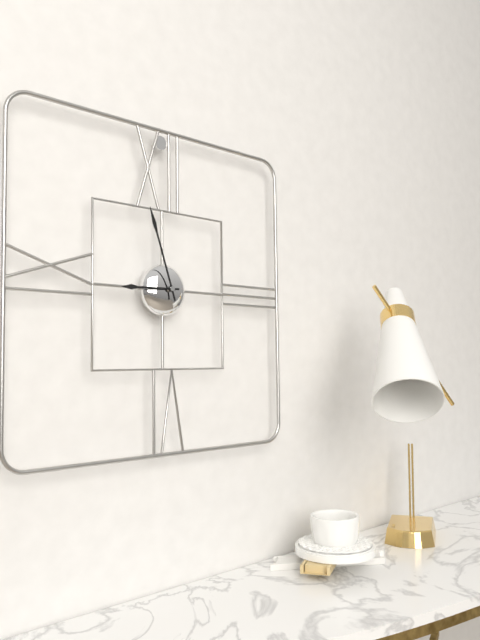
8:57
